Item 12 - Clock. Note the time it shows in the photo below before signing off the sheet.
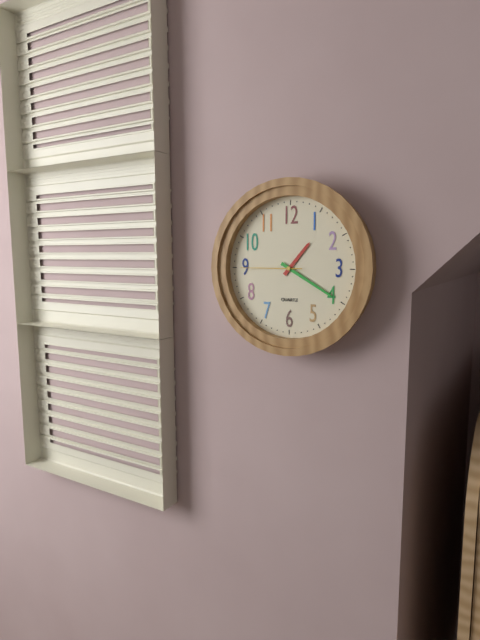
1:20:45
